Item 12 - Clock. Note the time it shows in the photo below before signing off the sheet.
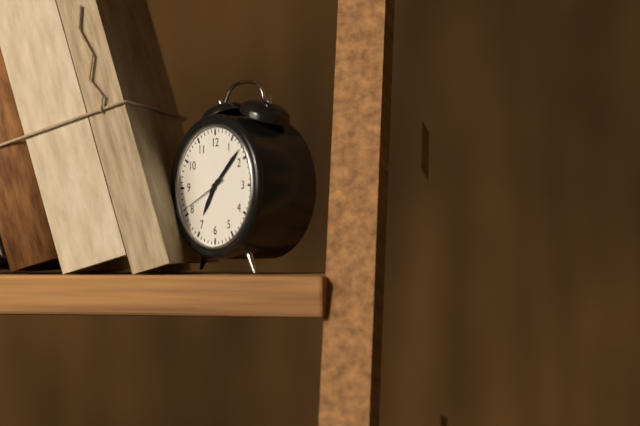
7:08:41
